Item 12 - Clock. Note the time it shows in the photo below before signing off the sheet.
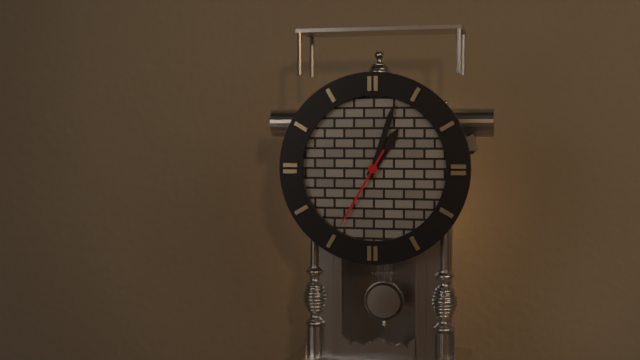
1:03:35
